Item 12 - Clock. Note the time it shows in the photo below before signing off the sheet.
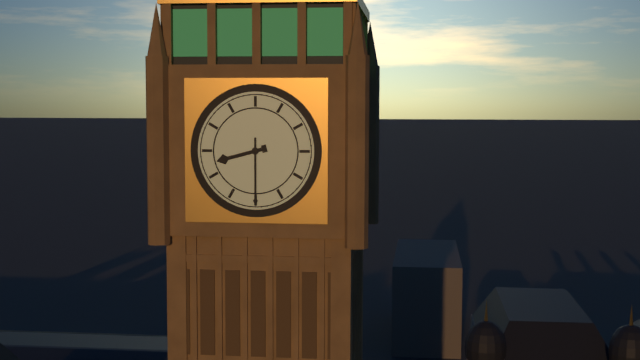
8:30
